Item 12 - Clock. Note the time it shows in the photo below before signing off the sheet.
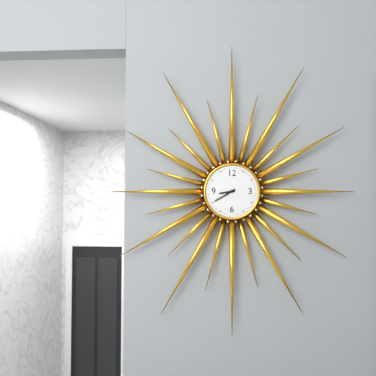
8:40
